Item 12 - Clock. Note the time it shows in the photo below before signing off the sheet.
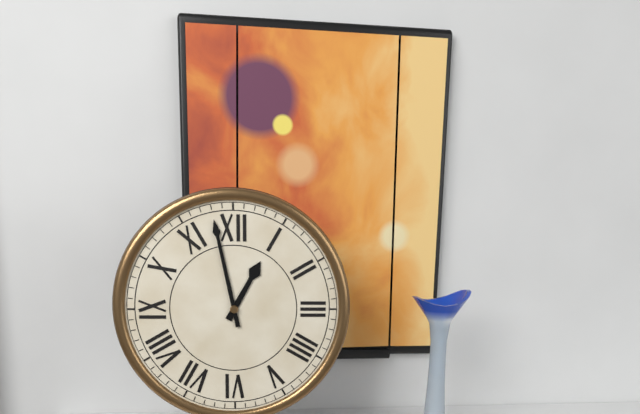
12:58
